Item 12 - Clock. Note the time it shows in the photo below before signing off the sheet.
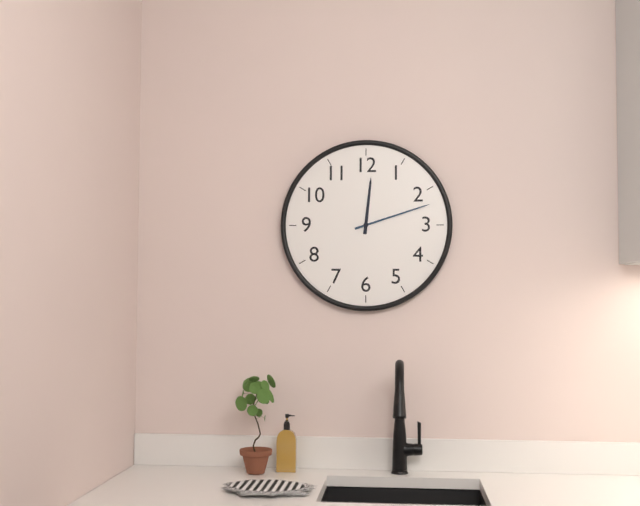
12:12
